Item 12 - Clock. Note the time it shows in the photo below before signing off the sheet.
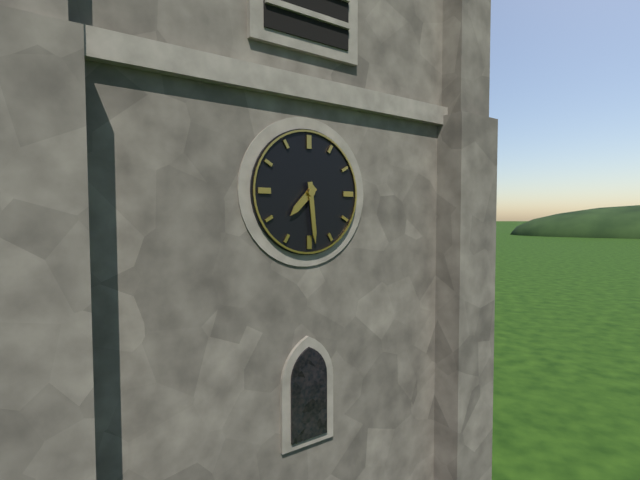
7:29
